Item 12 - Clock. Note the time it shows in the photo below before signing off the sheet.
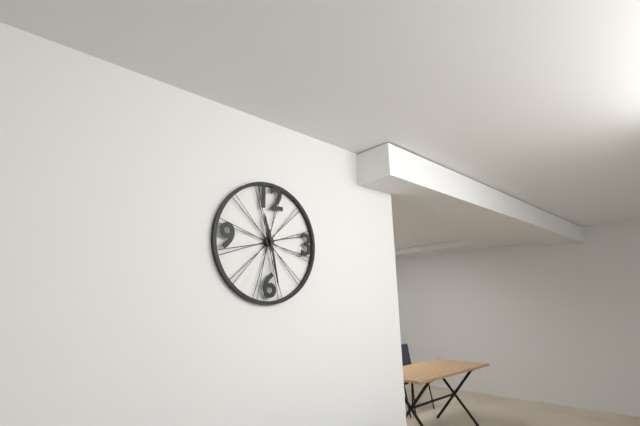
11:28
